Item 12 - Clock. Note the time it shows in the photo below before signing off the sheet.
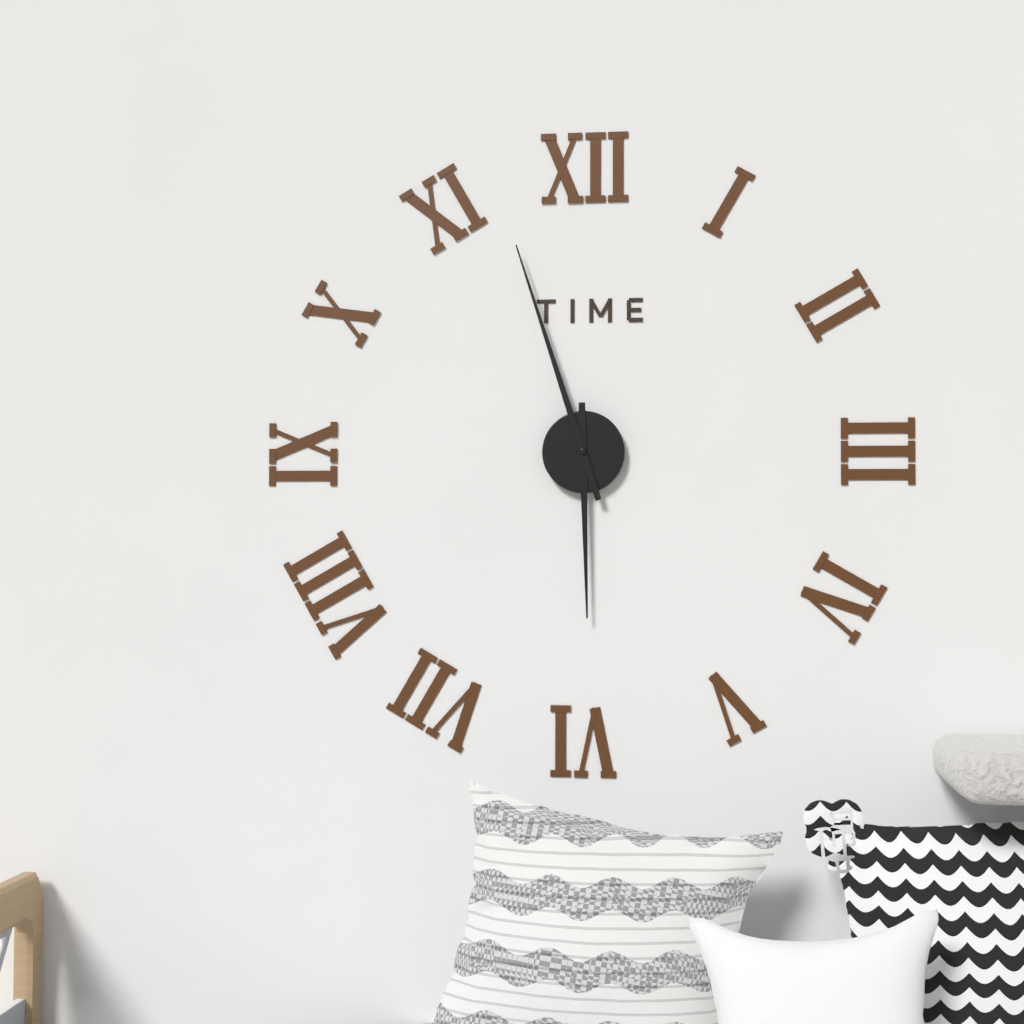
5:57
